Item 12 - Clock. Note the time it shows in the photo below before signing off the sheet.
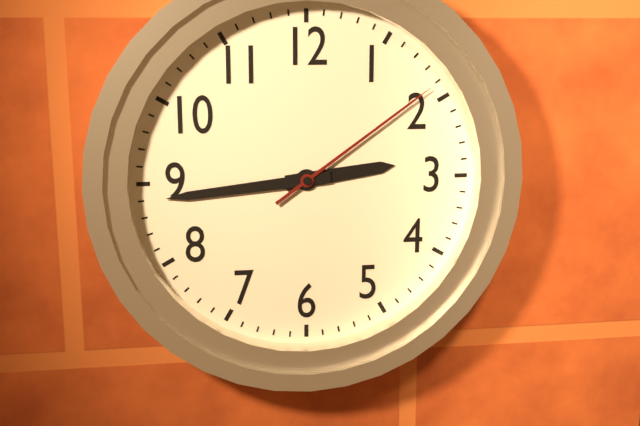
2:44:09
